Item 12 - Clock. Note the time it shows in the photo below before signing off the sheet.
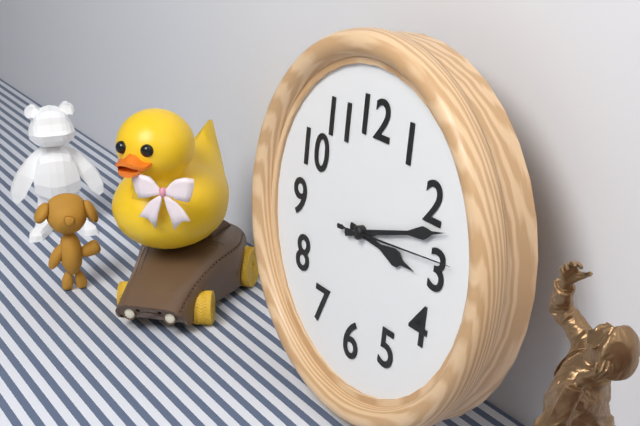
3:12:14
